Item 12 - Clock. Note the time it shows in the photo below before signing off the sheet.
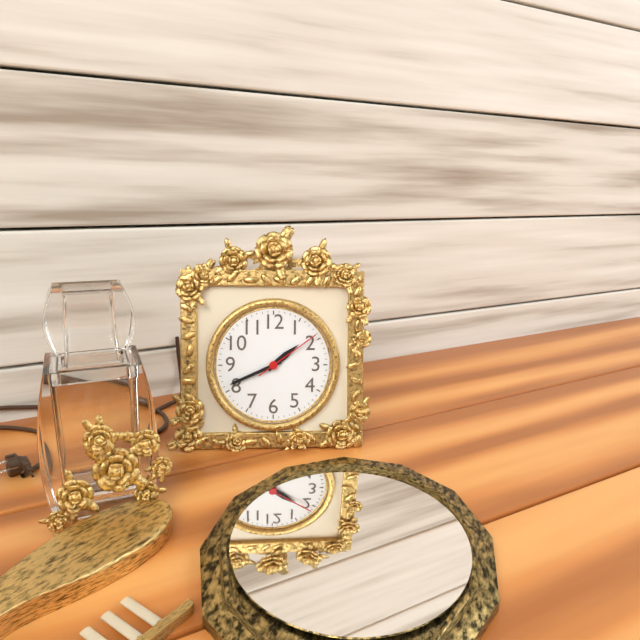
1:41:09
